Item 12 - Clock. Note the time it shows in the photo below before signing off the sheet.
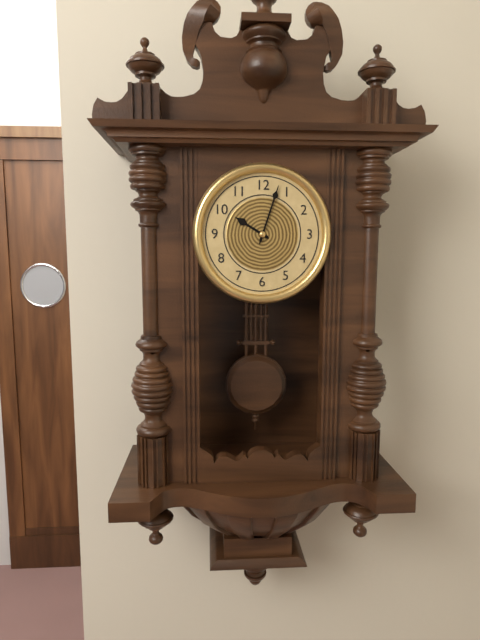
10:03
